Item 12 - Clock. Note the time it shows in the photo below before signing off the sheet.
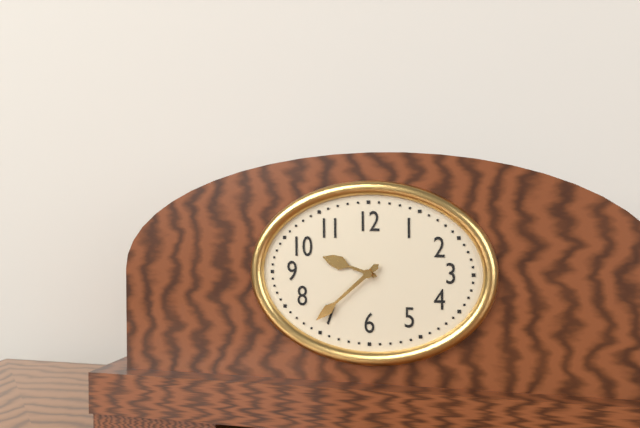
9:38
